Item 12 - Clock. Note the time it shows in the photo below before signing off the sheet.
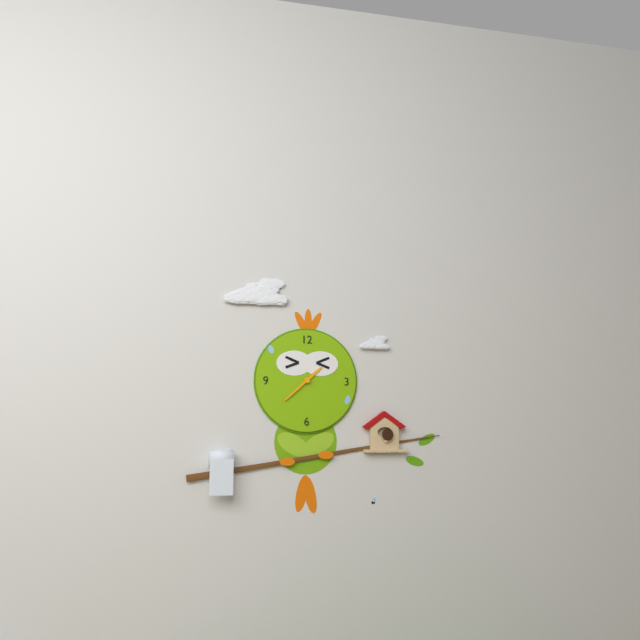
1:38
